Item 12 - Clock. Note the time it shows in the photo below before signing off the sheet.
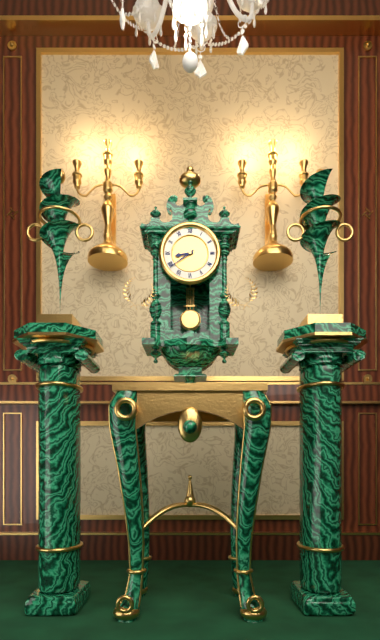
8:39
